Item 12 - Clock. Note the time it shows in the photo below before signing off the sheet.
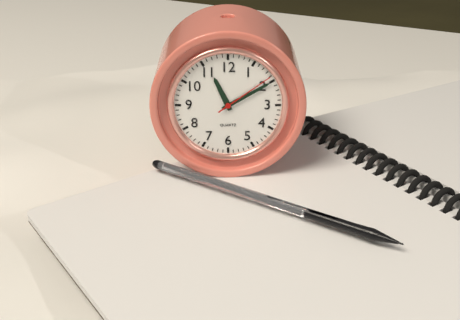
11:10:09
